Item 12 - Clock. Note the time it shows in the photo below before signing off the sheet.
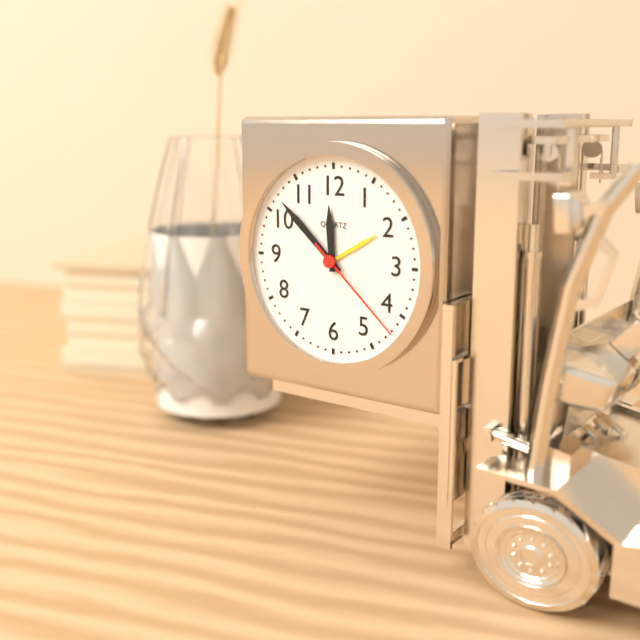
11:52:22
